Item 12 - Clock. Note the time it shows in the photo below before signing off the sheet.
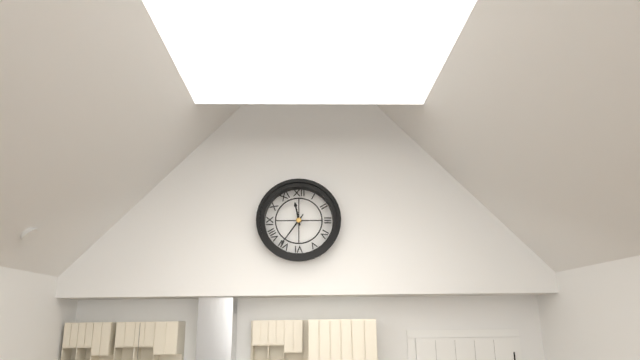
11:36
